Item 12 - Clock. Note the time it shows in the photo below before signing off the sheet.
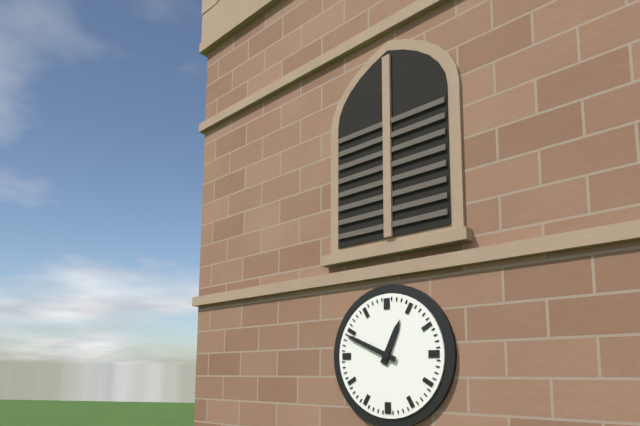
12:49
